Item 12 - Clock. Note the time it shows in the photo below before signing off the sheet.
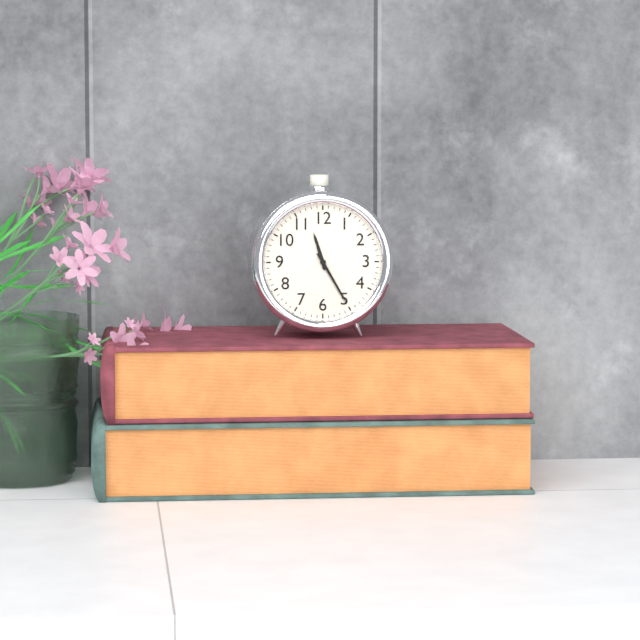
11:25
